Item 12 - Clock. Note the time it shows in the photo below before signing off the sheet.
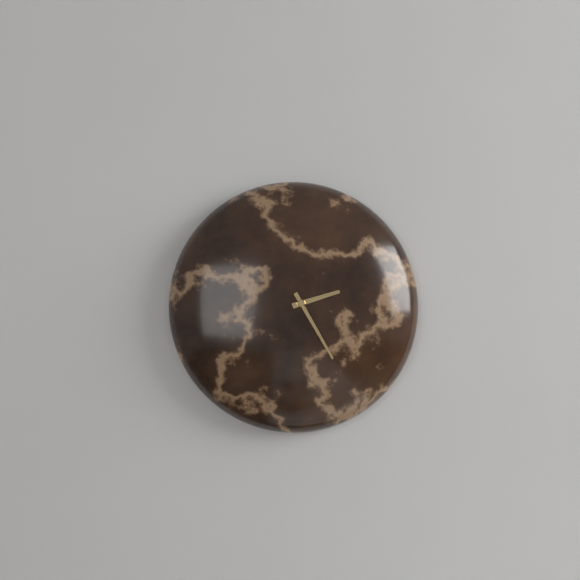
2:25
